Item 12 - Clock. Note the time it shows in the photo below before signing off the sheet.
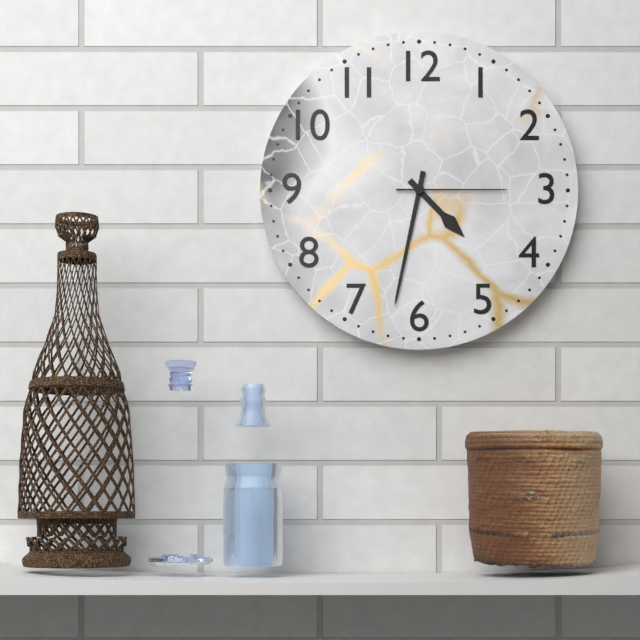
4:32:15
